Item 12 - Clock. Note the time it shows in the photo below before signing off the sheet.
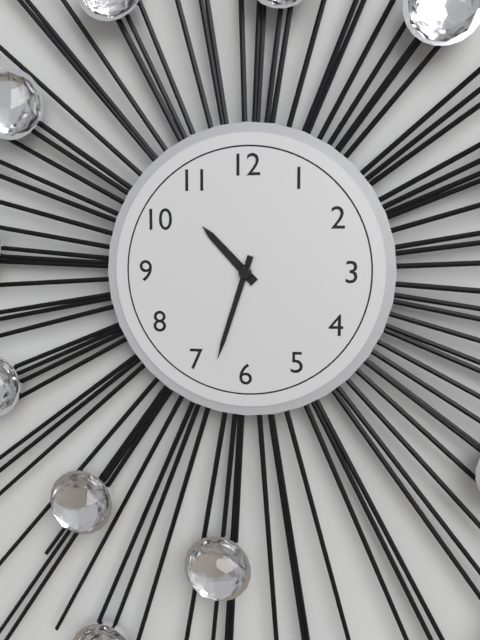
10:33
